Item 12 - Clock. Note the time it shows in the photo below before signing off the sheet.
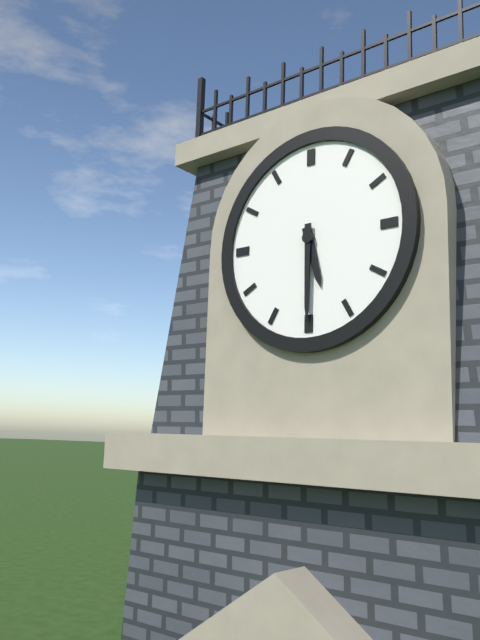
5:30
